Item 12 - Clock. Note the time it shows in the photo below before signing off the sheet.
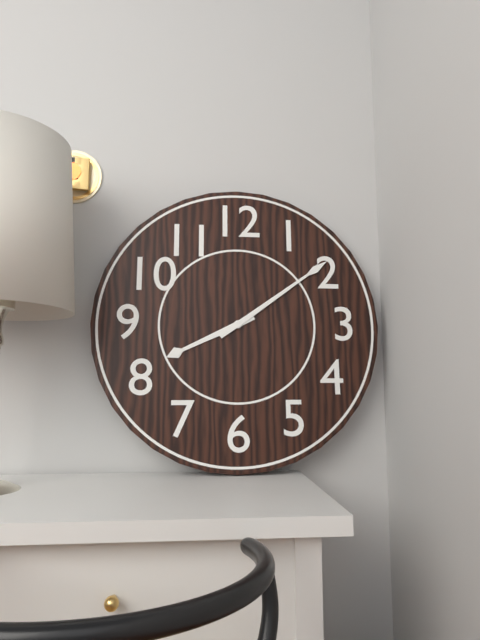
8:09
